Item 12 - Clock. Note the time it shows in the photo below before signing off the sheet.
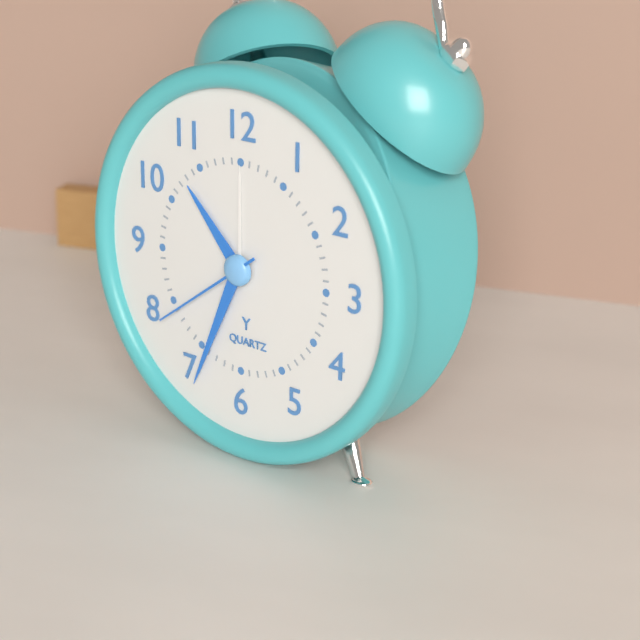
10:34:39
